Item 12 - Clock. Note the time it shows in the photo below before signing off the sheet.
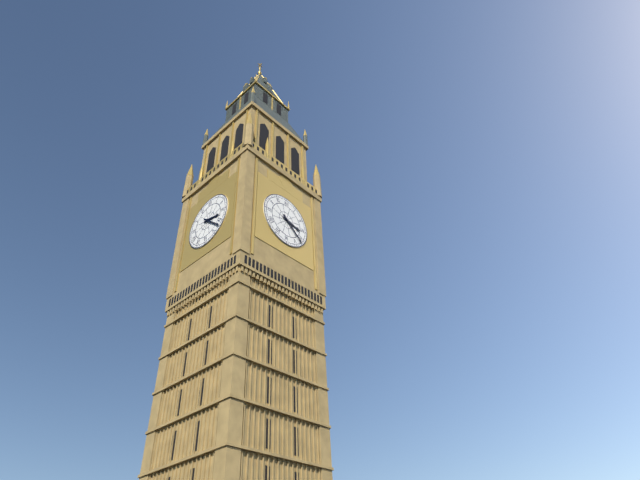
3:22
